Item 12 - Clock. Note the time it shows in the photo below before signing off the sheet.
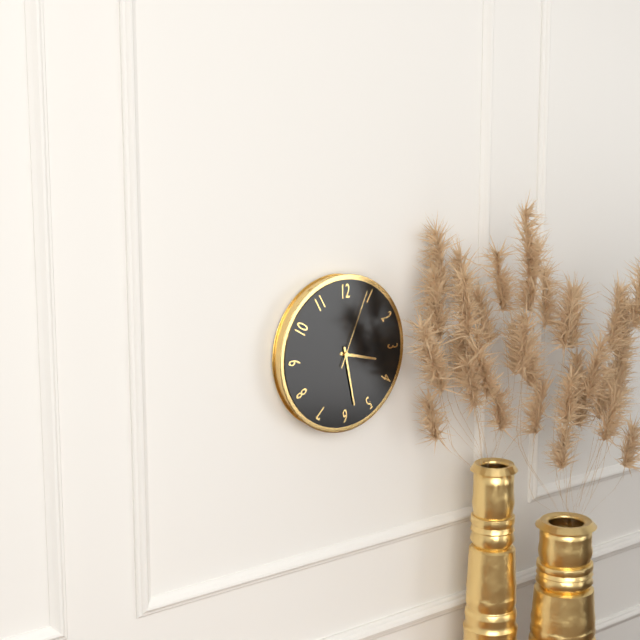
3:28:04
